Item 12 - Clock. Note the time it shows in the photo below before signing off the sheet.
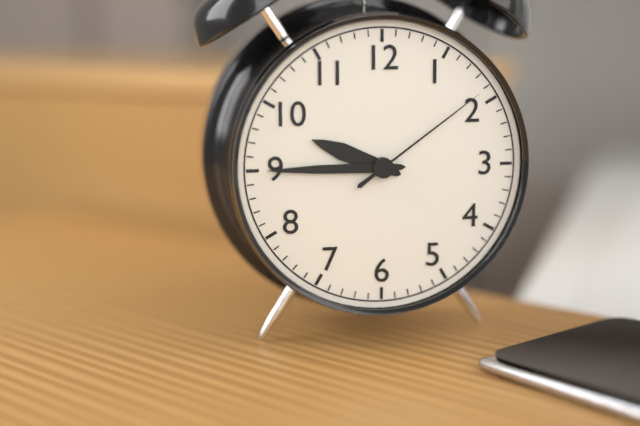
9:45:09
